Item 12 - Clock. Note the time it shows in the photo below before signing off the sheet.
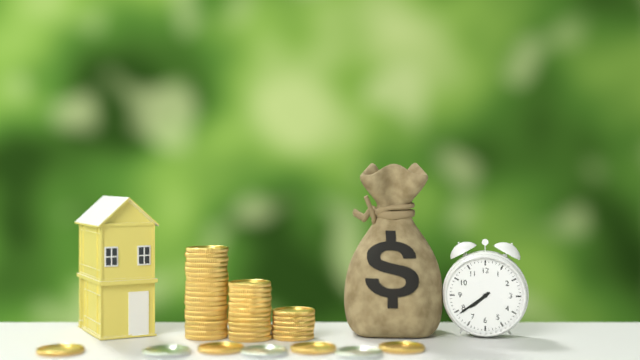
7:39
